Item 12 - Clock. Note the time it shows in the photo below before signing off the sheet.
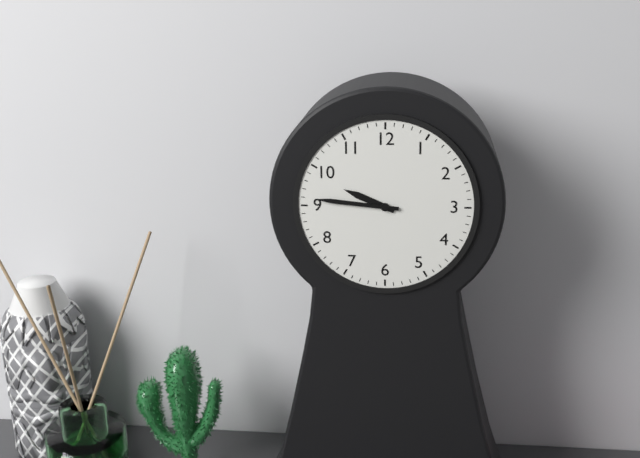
9:46
